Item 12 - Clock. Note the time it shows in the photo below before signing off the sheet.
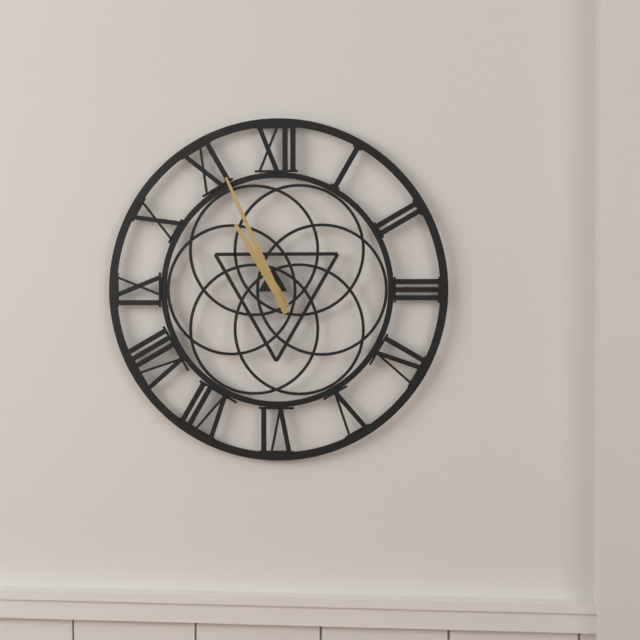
10:56
